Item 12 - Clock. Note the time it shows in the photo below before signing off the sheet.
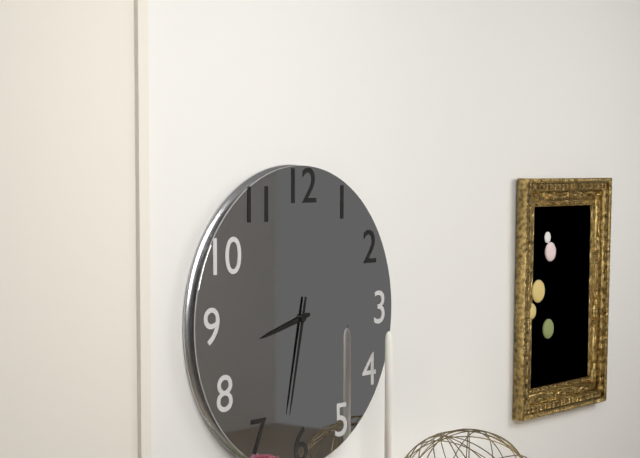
8:32
